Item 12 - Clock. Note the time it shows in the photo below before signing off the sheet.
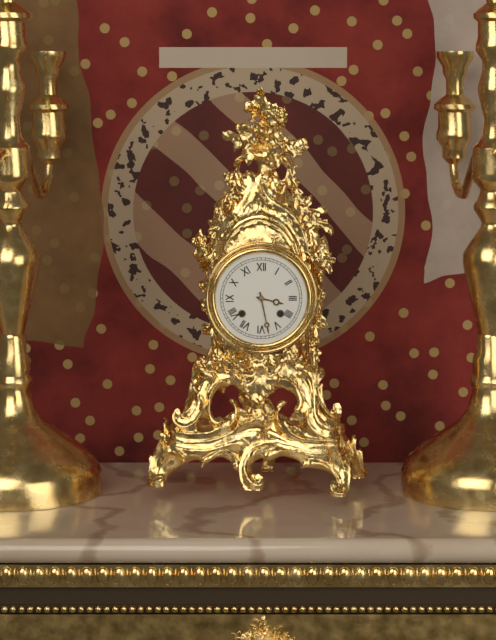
3:28
